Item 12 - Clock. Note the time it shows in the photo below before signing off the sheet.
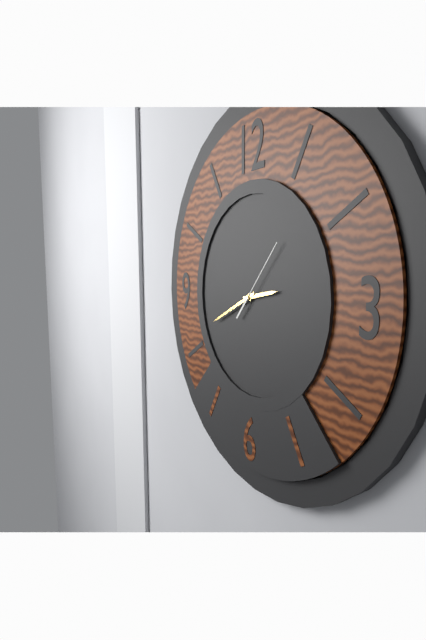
2:41:07
